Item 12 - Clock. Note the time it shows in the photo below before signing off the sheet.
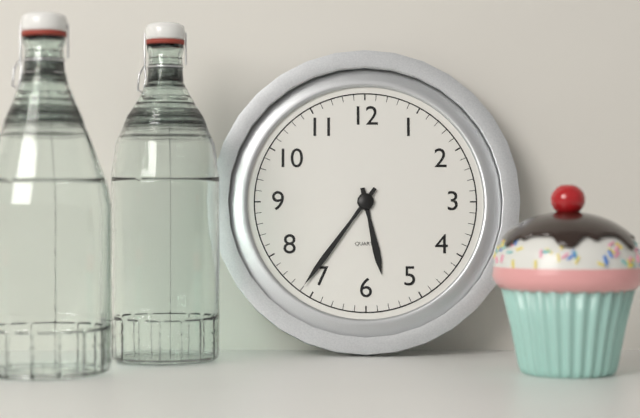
5:36
